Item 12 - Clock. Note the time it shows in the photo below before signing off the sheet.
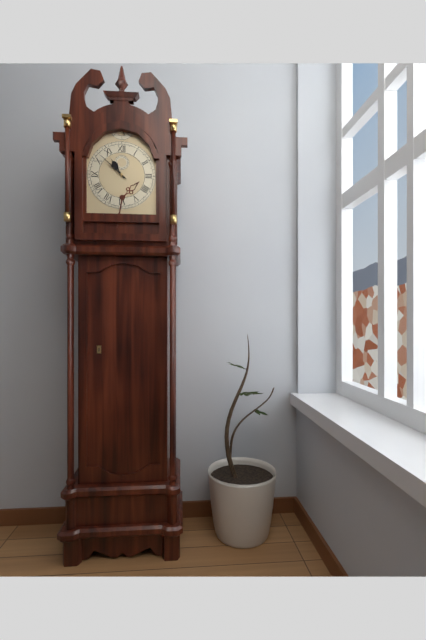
10:52
